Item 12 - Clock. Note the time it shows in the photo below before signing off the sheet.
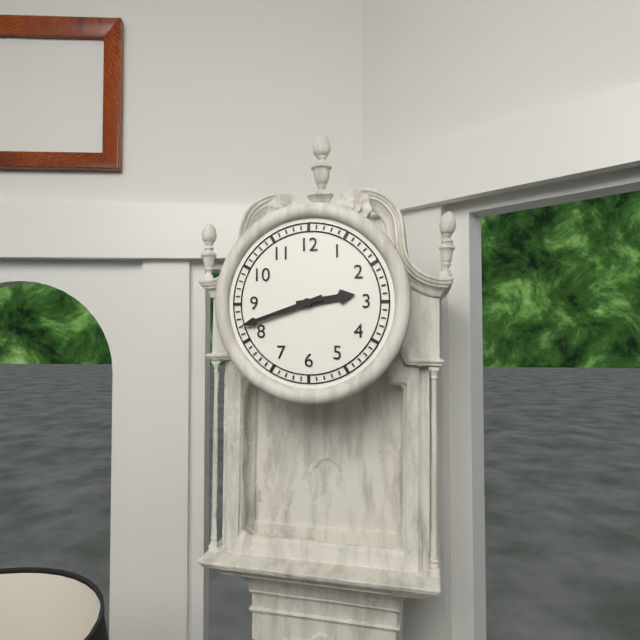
2:42
